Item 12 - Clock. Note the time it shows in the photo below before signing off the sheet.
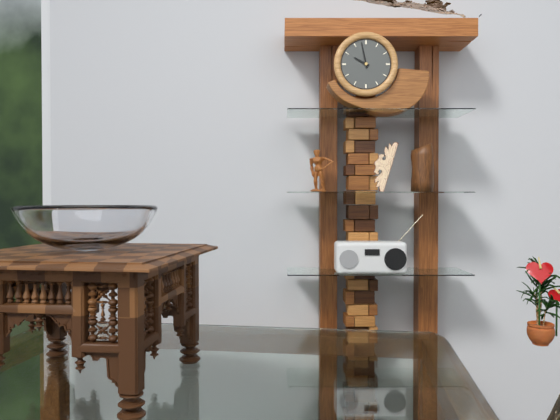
9:58
